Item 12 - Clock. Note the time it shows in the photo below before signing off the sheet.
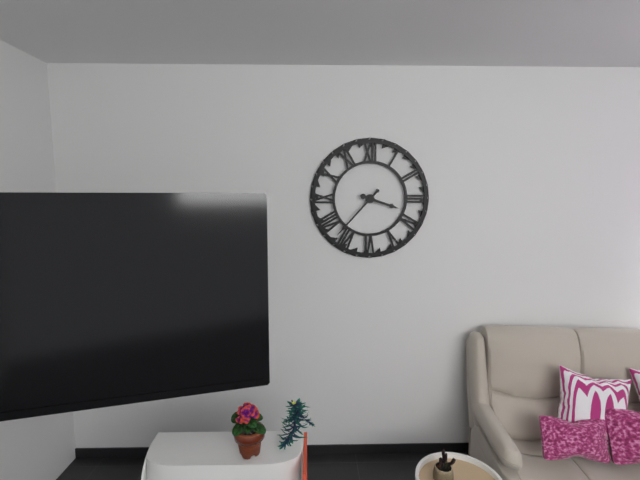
3:37
